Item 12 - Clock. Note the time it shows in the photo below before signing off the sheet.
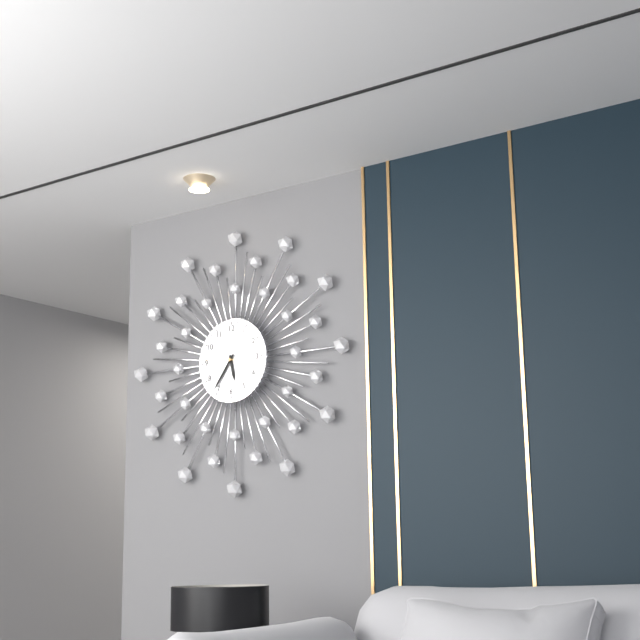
5:36
